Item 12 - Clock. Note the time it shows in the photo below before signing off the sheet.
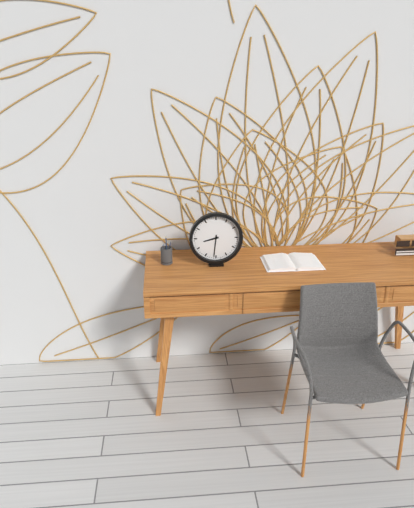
8:31
